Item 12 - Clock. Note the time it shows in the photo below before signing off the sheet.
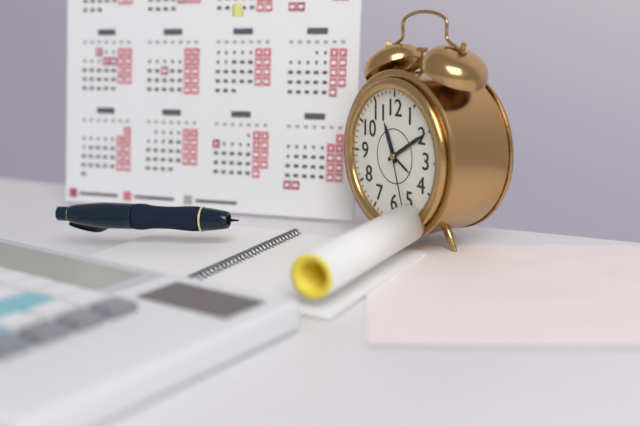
11:10:27
